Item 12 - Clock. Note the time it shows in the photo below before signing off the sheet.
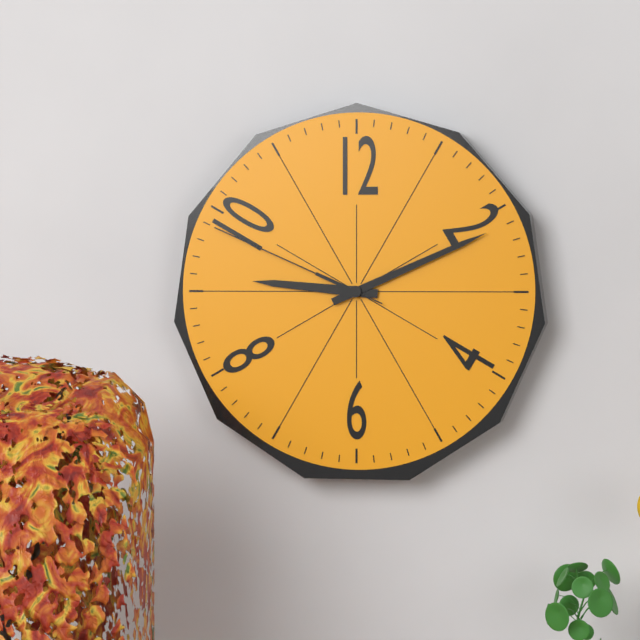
9:11:49
